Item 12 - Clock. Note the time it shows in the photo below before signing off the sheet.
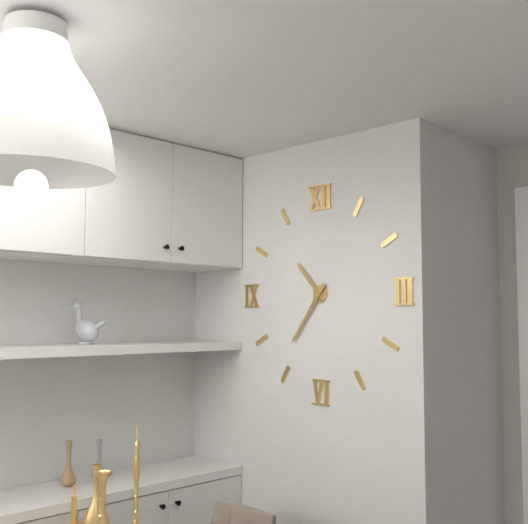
10:36
